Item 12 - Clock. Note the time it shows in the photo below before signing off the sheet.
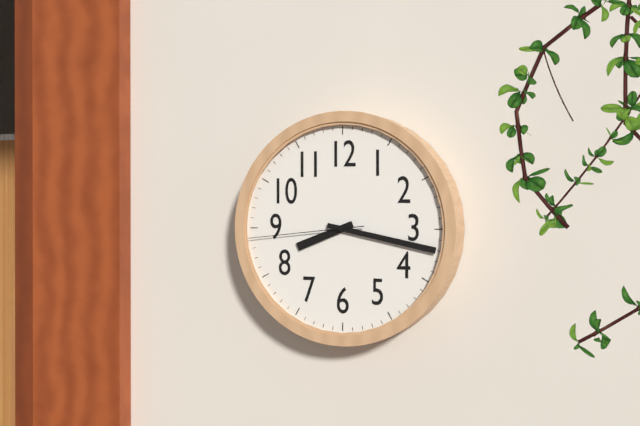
8:17:44
